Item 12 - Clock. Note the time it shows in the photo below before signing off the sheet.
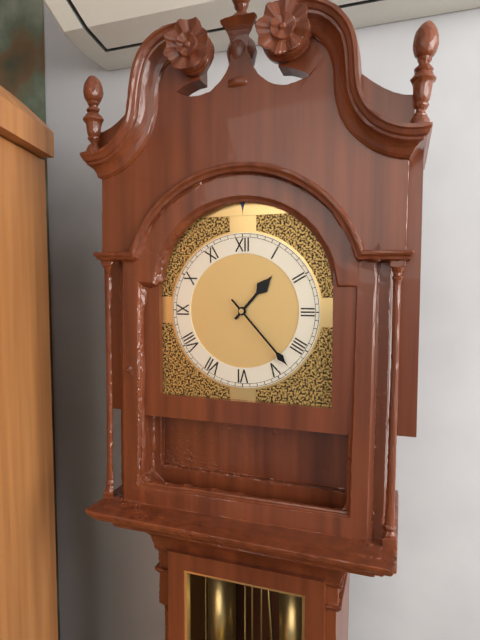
1:23
